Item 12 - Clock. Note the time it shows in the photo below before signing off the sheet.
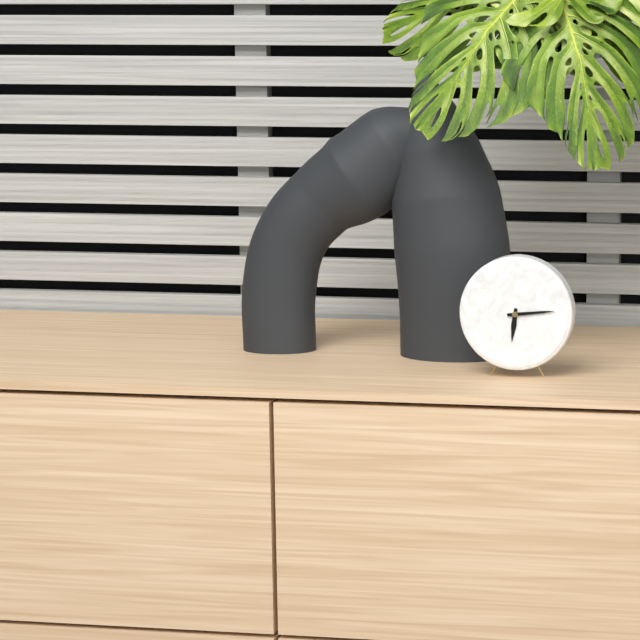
6:14
